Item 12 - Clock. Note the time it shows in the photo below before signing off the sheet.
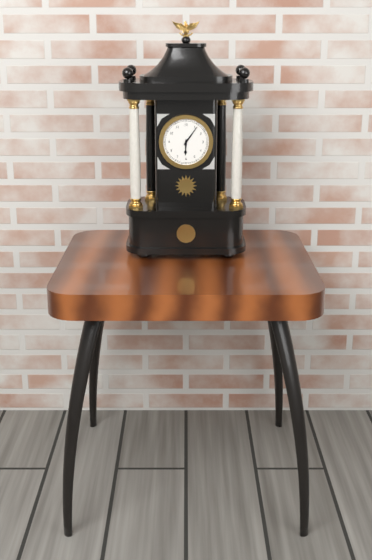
6:06
